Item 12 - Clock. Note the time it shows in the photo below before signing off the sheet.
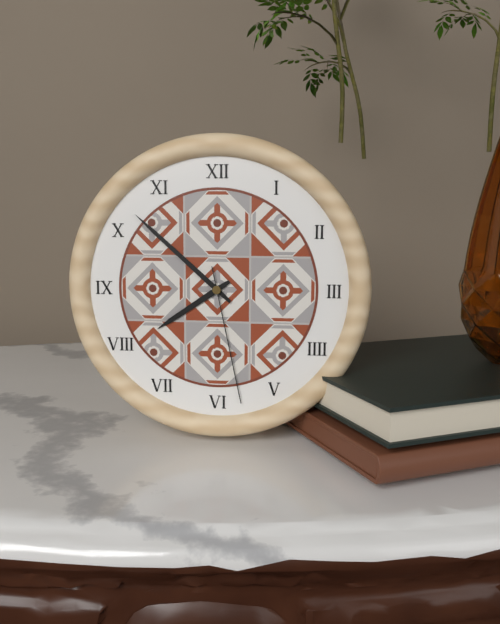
7:52:28
